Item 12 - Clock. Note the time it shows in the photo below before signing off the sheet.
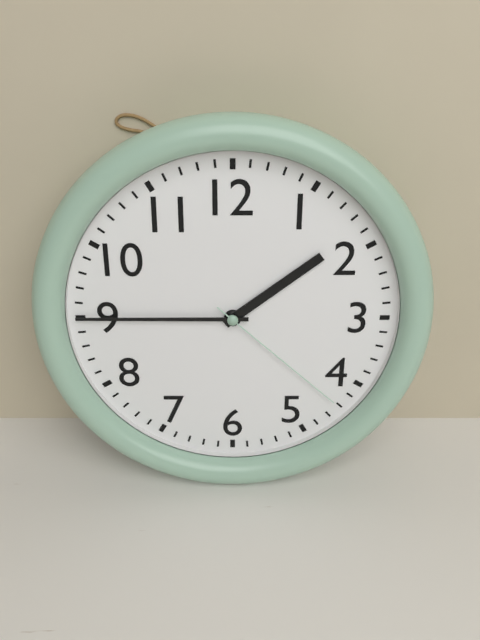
1:45:22
